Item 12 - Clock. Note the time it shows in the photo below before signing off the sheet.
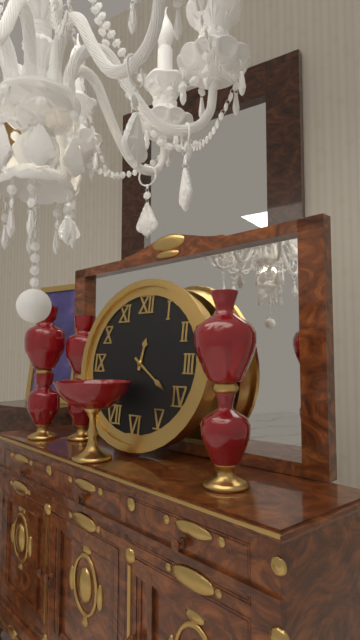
12:21
